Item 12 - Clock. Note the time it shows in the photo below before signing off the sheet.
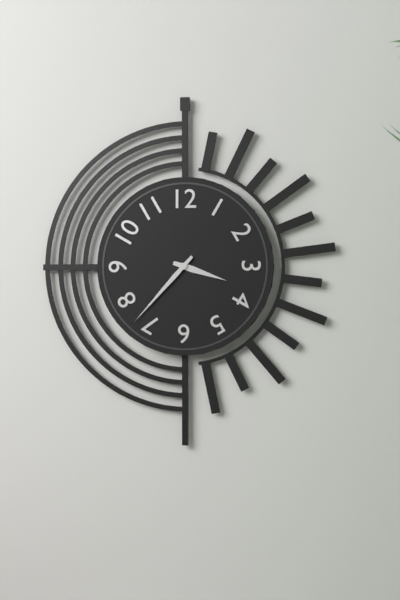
3:37
